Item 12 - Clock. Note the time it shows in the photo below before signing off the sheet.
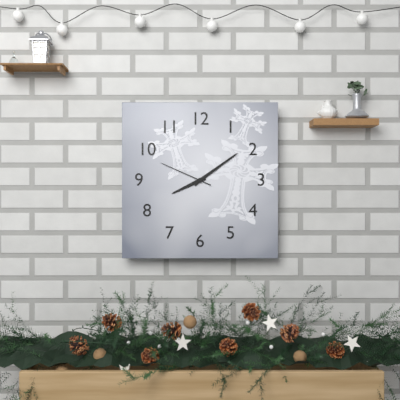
8:09:49
